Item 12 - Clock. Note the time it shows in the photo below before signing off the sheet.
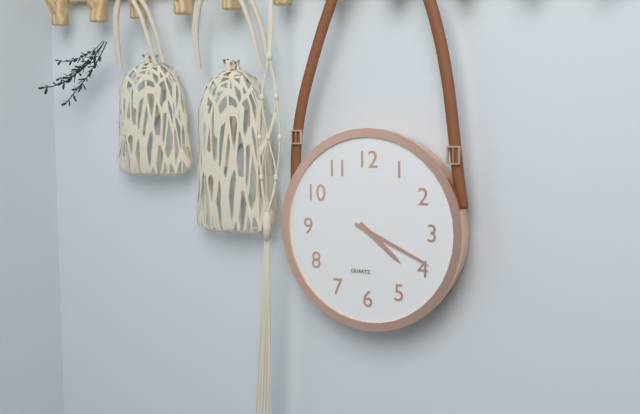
4:19
